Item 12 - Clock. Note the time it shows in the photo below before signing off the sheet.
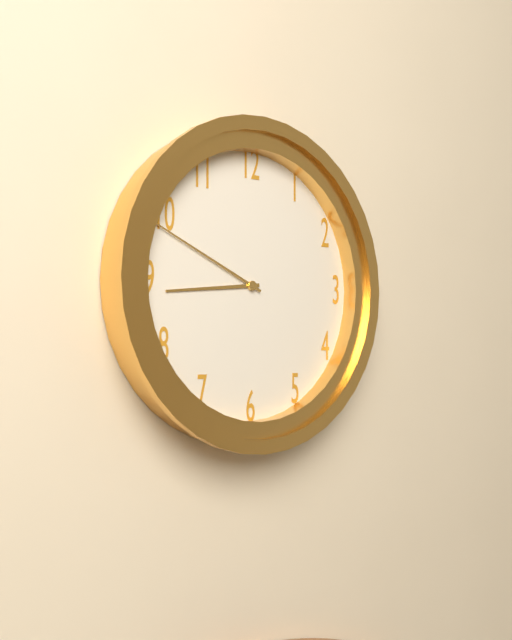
8:49
